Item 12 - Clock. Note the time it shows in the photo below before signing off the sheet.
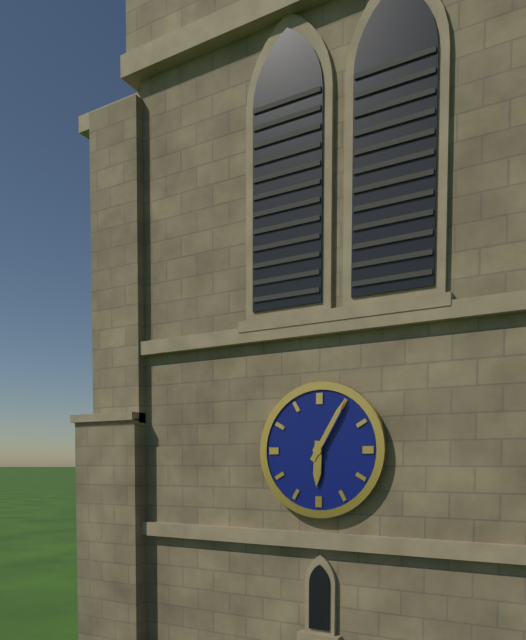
6:05
